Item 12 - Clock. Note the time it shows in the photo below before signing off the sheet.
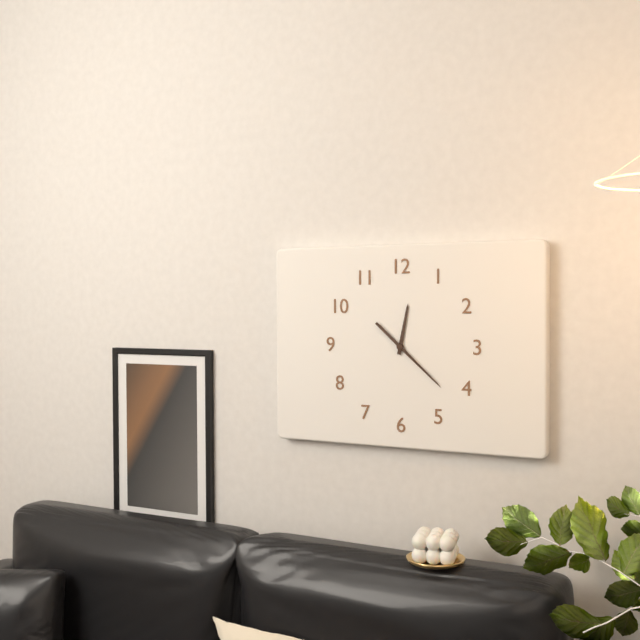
12:22
